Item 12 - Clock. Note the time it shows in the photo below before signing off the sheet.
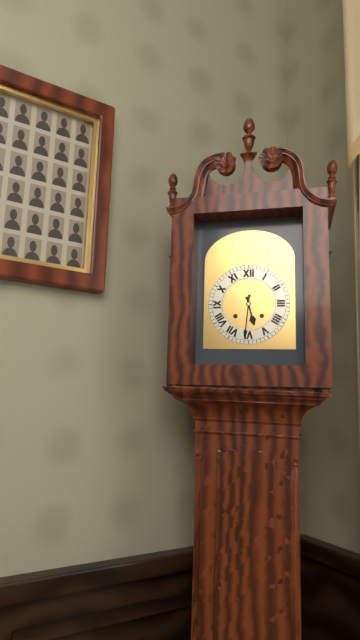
5:31
